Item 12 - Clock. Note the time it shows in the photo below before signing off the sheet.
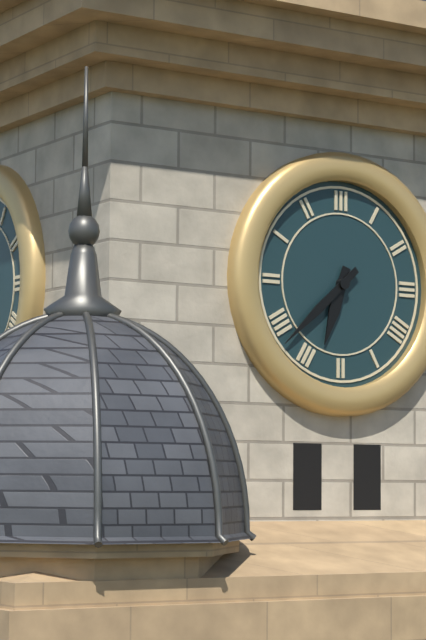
6:38
